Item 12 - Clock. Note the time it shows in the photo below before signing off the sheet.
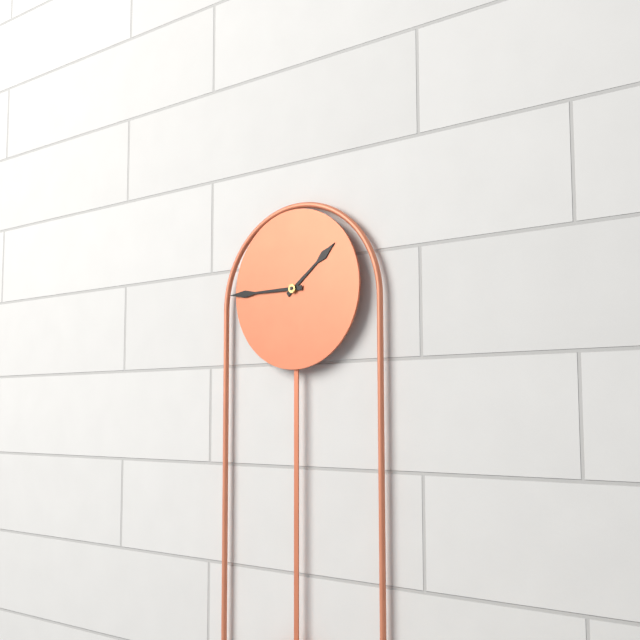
1:45
